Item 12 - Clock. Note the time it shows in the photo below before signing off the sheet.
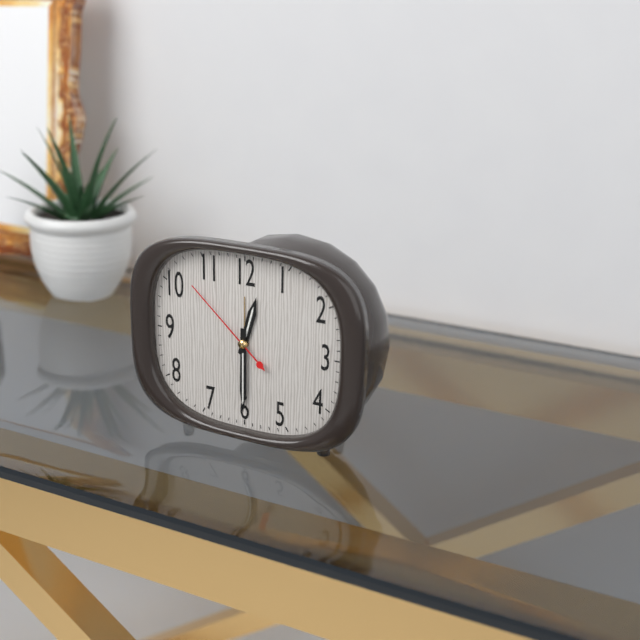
12:30:52
